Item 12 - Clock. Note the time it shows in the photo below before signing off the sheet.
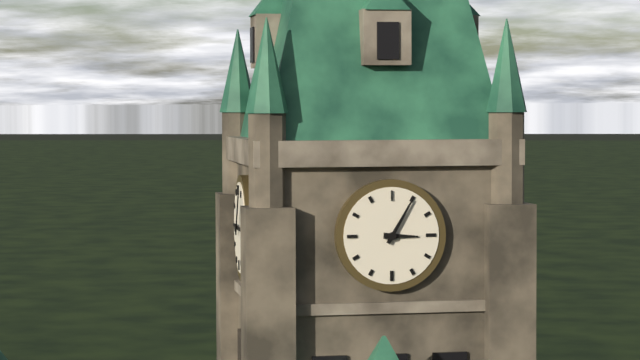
3:05
